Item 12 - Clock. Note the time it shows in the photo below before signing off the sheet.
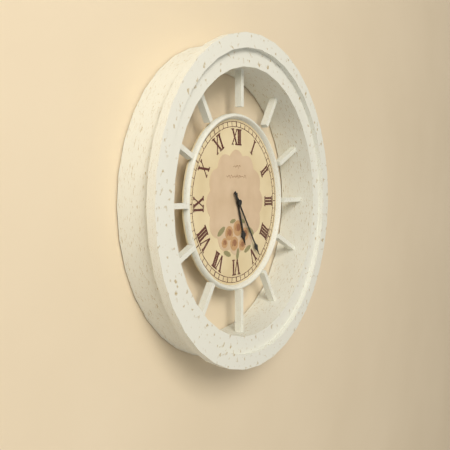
5:24
